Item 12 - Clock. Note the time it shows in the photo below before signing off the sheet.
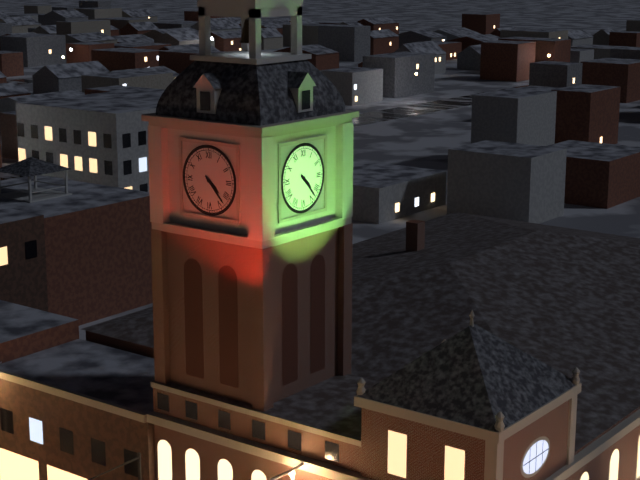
4:23
